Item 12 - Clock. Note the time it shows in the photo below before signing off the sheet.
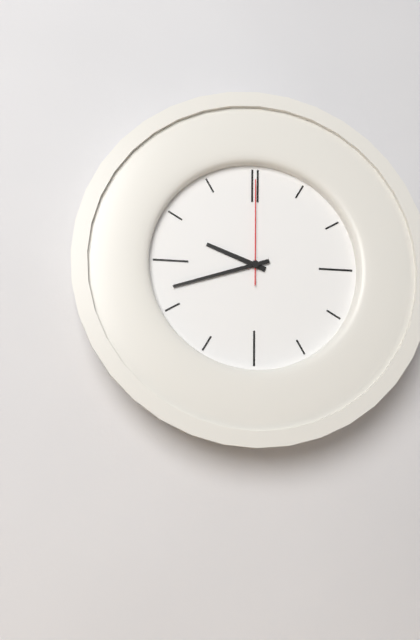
9:42:00
